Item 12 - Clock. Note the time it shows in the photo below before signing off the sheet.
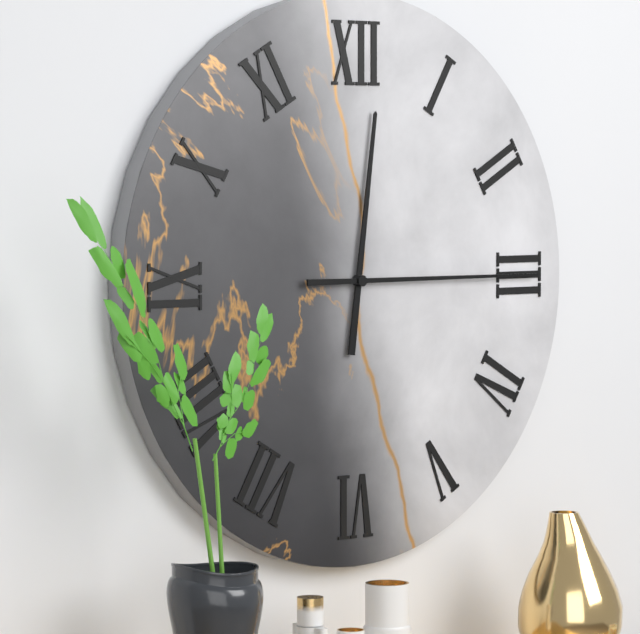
12:15
